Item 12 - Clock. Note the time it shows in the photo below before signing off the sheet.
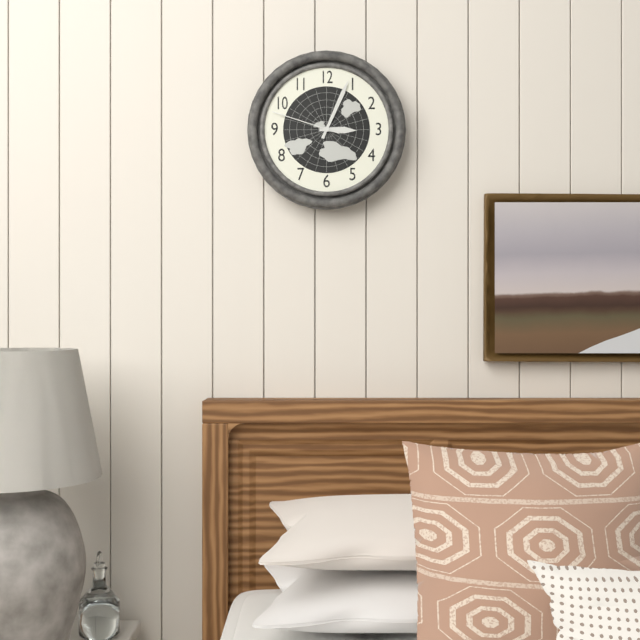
3:04:48
